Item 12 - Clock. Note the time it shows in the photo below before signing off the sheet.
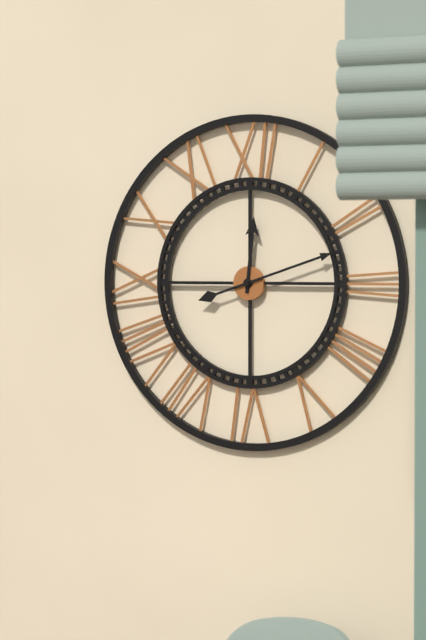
12:12
